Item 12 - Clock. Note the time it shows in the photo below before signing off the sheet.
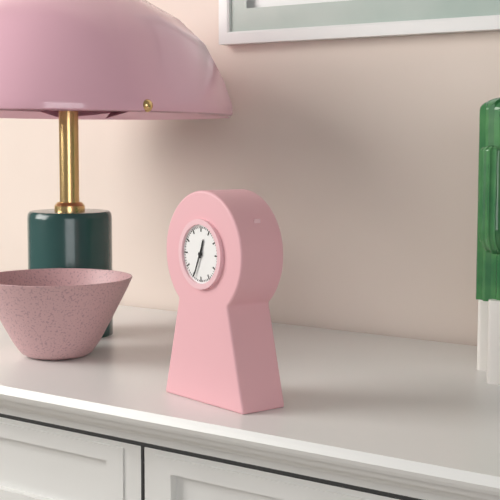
12:34
